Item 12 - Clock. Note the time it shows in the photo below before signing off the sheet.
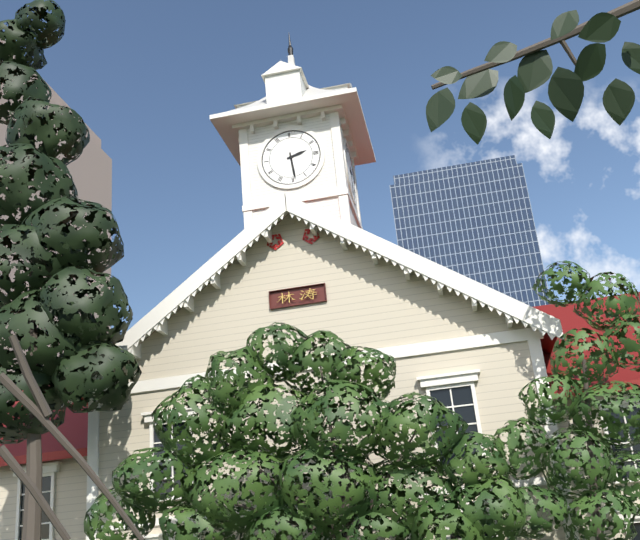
2:29
